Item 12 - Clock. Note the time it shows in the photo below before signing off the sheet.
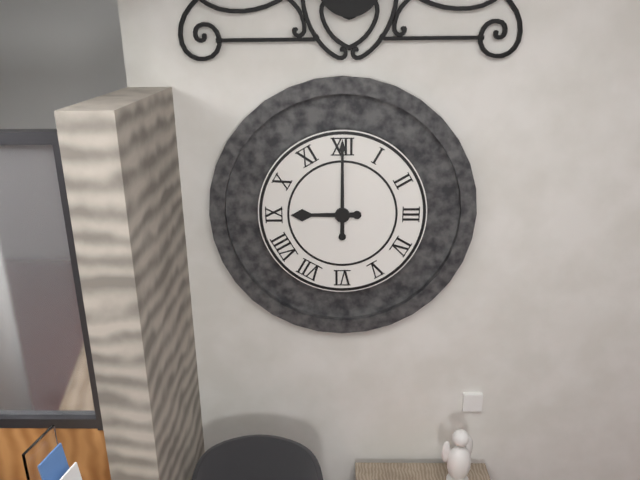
9:00
